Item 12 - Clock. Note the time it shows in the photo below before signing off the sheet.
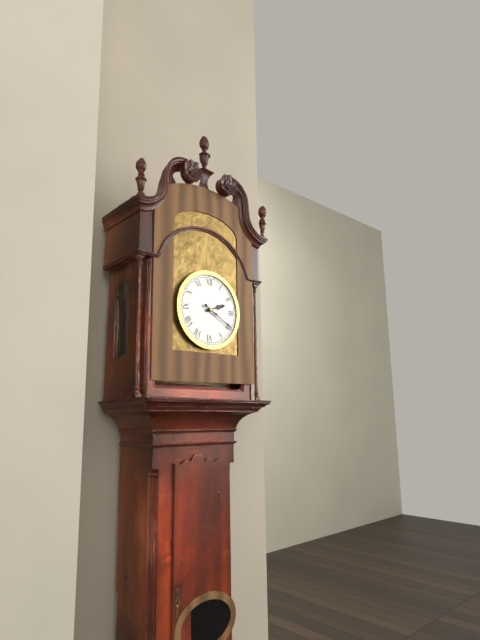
2:20
